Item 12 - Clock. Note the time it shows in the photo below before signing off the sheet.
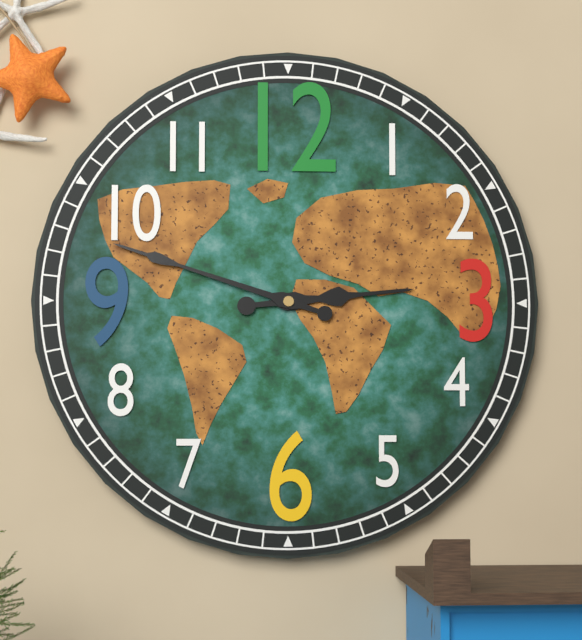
2:48
